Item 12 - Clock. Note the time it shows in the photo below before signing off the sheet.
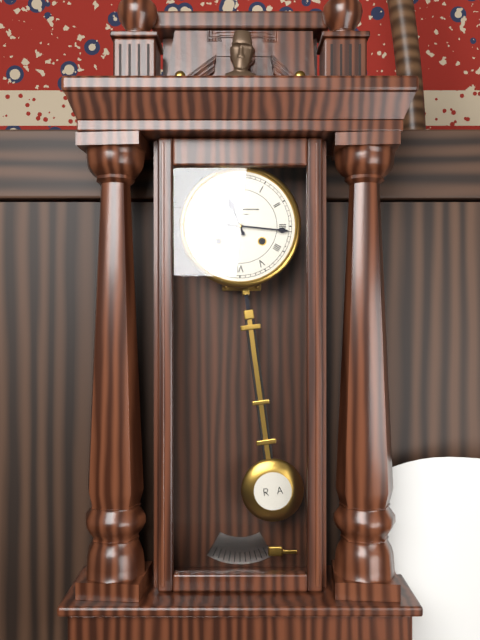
11:16
